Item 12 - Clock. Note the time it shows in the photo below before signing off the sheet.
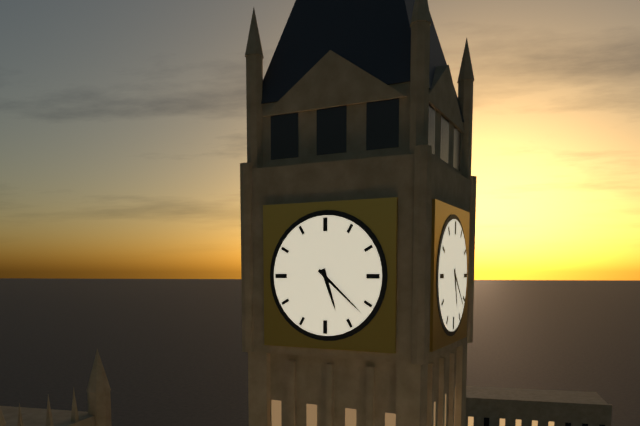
5:22
